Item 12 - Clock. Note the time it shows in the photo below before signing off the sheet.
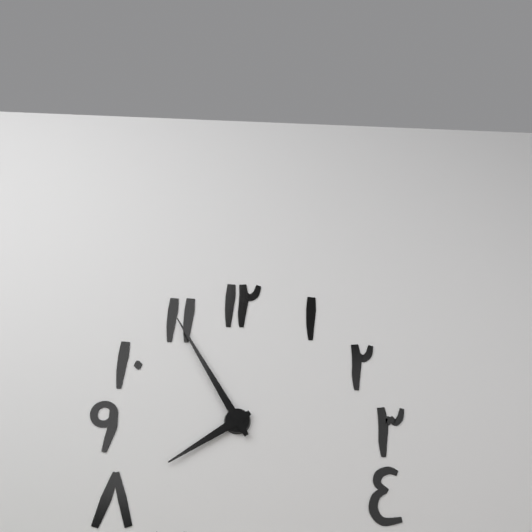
7:55
